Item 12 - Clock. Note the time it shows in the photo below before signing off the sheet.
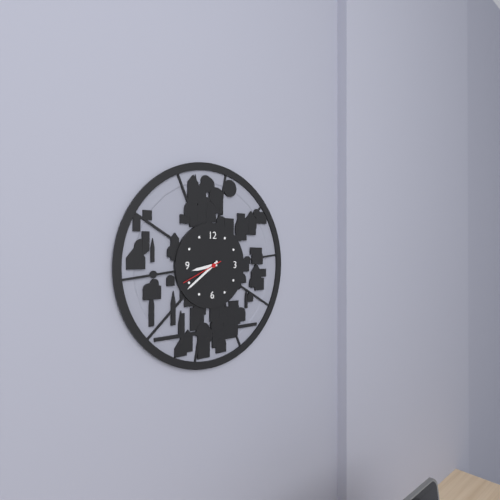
8:39
